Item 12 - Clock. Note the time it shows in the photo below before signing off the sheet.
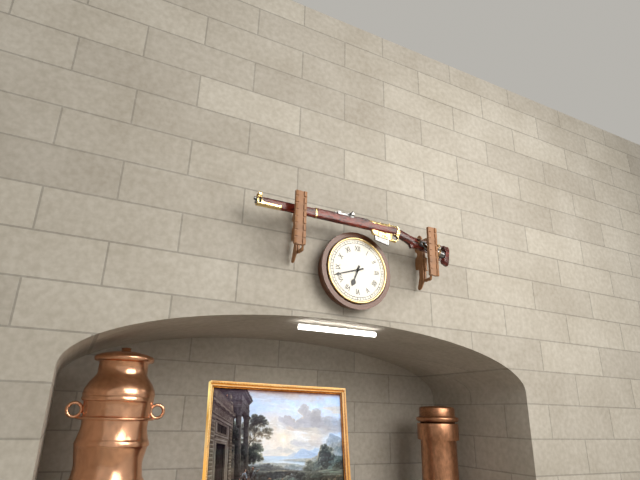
6:42
